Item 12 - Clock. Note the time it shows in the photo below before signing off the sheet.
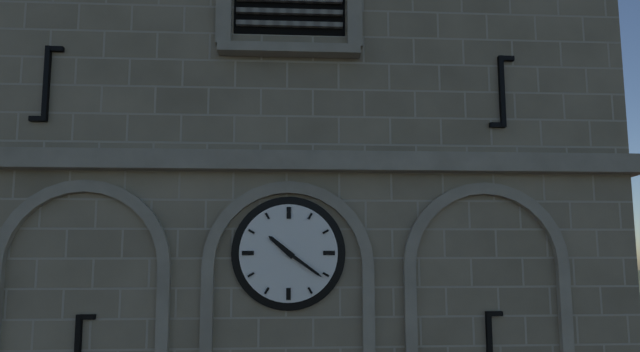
10:21
